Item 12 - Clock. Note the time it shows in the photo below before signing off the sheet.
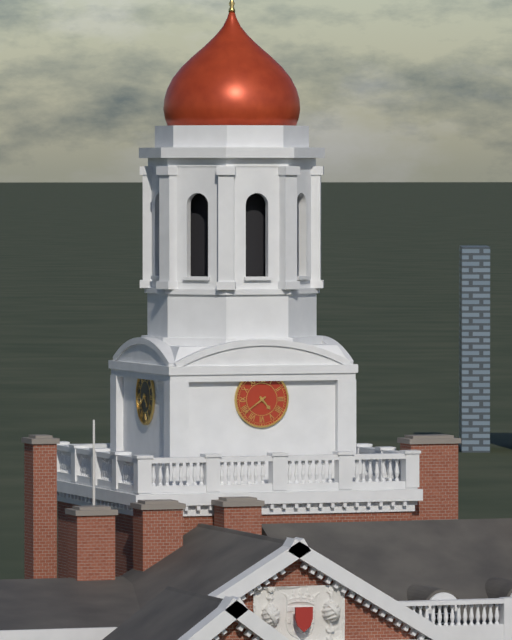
4:39
